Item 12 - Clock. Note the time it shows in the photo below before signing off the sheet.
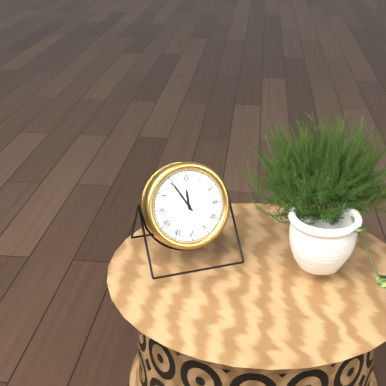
11:55
